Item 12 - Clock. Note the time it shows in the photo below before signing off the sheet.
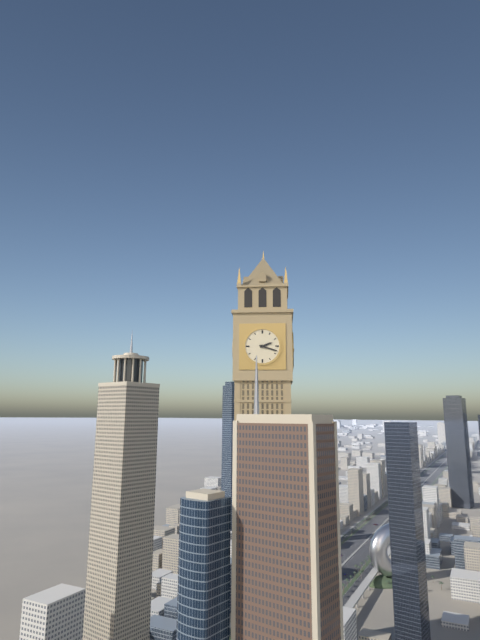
2:18
